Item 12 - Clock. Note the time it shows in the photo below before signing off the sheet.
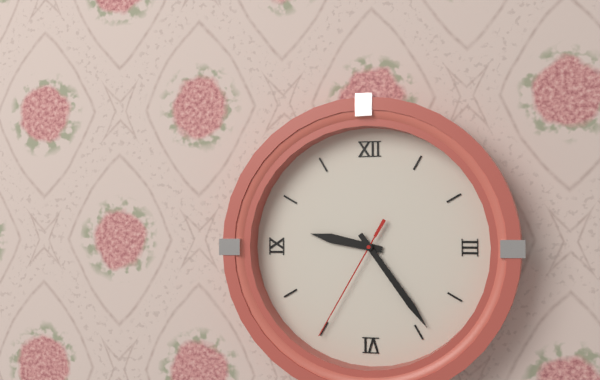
9:24:35
